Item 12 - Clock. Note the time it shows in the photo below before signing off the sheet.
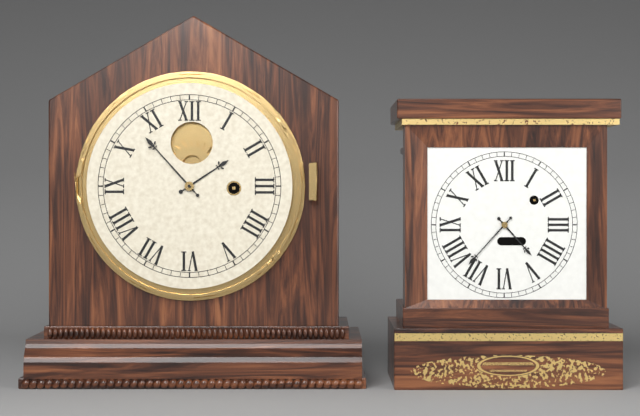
1:53
